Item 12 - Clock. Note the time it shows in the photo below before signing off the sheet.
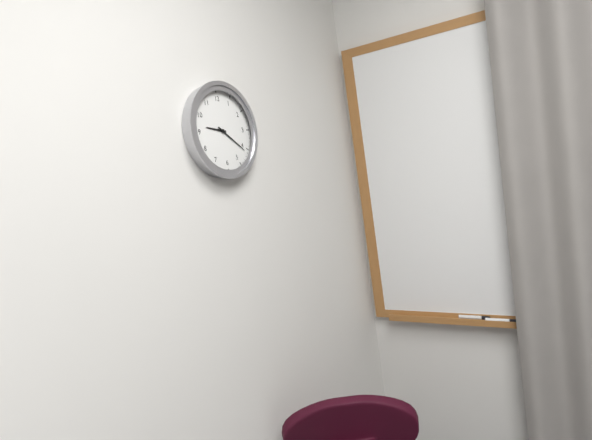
9:21
